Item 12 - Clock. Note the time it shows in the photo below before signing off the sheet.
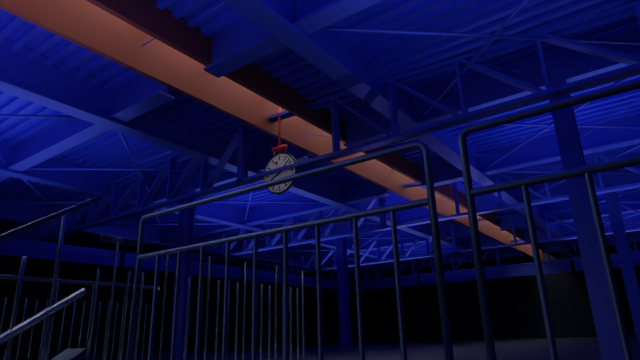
8:08
